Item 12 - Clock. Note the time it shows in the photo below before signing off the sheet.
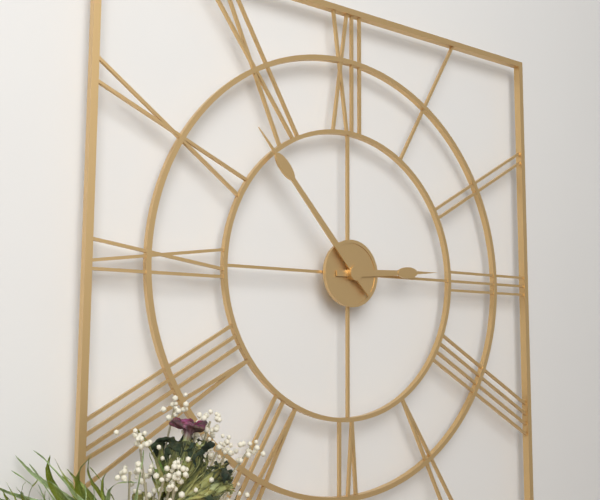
2:53
